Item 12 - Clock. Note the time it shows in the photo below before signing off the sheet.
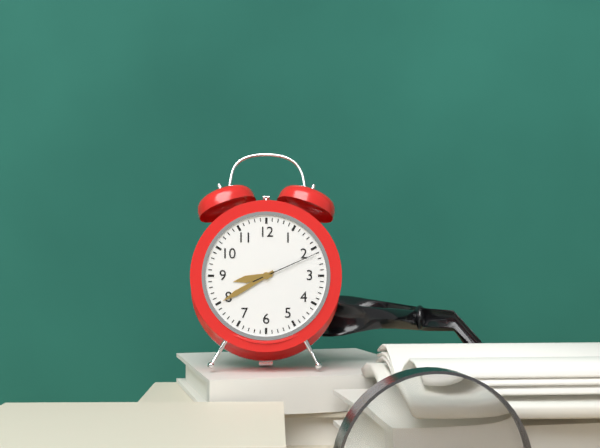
8:40:11
